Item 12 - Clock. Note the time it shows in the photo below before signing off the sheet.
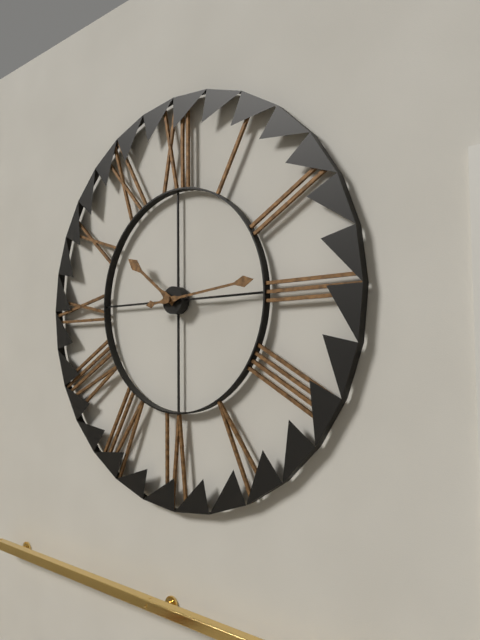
10:14
